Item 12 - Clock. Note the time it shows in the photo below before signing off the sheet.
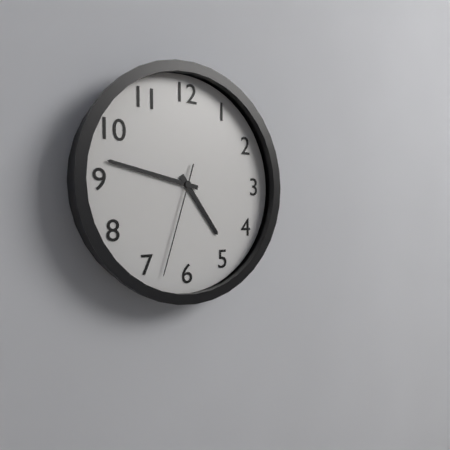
4:47:33
